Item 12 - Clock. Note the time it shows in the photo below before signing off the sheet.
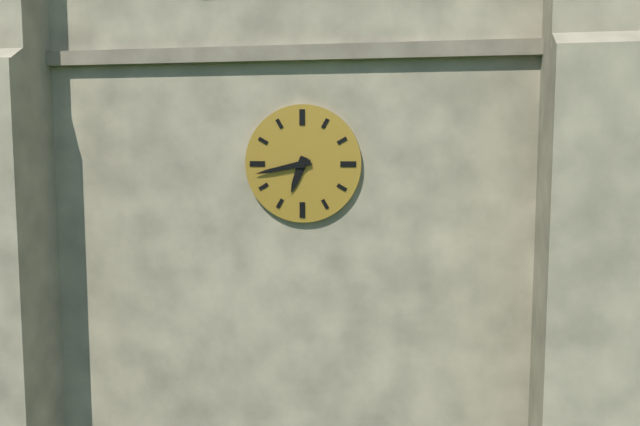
6:43
